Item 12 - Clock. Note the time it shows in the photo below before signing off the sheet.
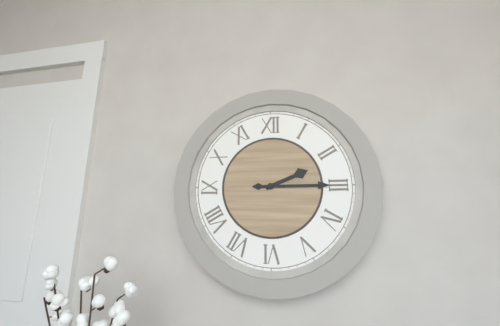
2:15
